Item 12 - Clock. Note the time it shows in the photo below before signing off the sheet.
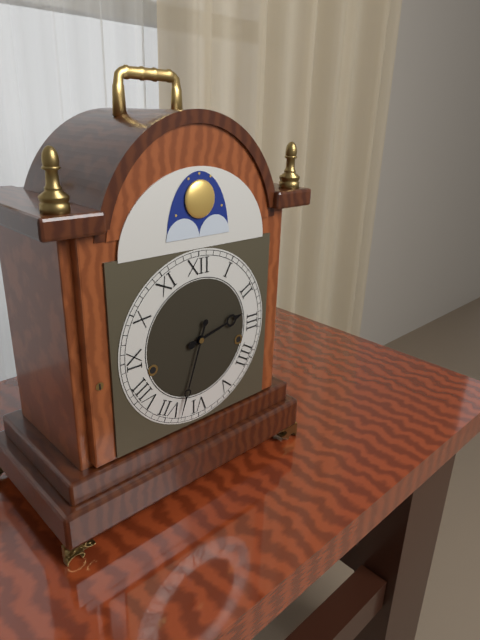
2:33
